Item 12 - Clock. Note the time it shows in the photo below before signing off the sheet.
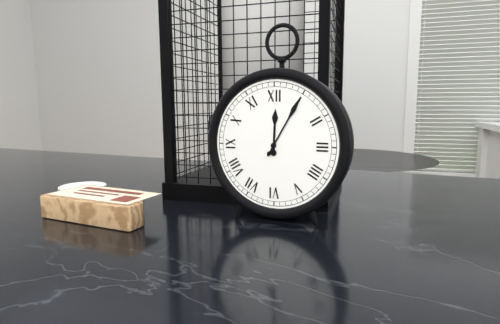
12:05
